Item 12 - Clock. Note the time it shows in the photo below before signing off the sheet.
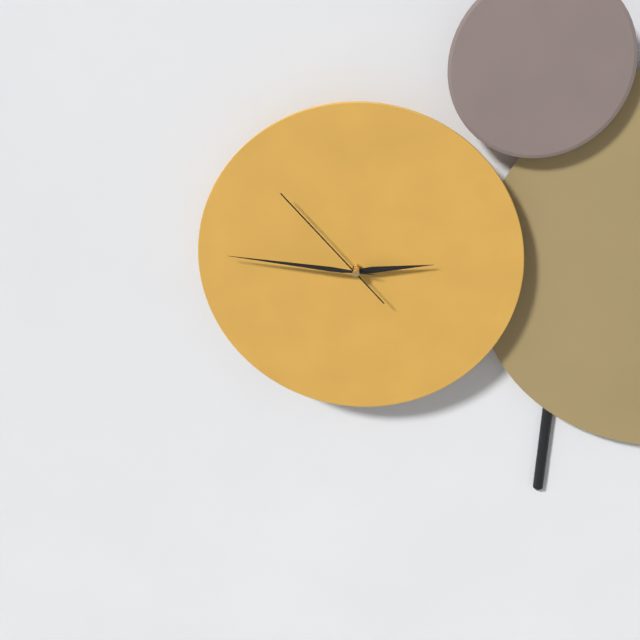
2:46:53
